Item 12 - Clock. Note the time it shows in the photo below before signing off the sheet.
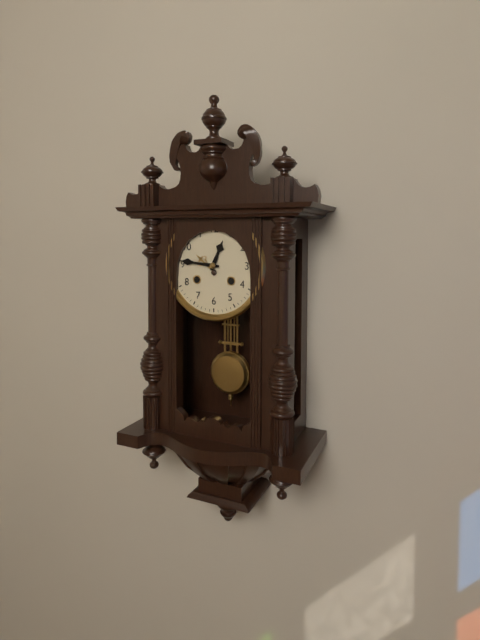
12:46
